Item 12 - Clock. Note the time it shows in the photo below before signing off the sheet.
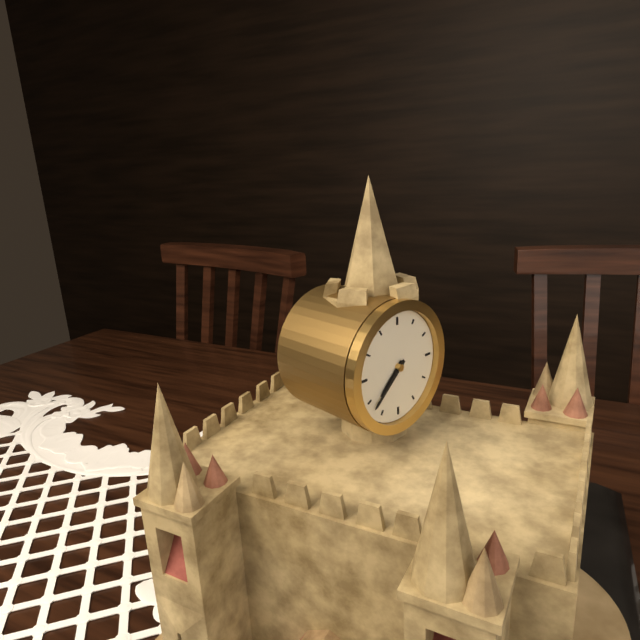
7:38
